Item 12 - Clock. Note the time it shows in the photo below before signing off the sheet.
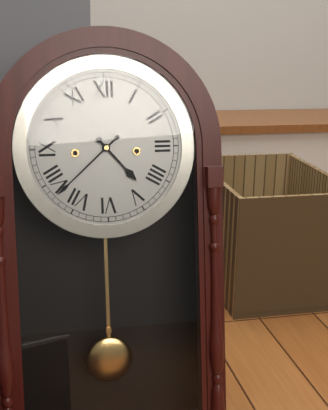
4:38
